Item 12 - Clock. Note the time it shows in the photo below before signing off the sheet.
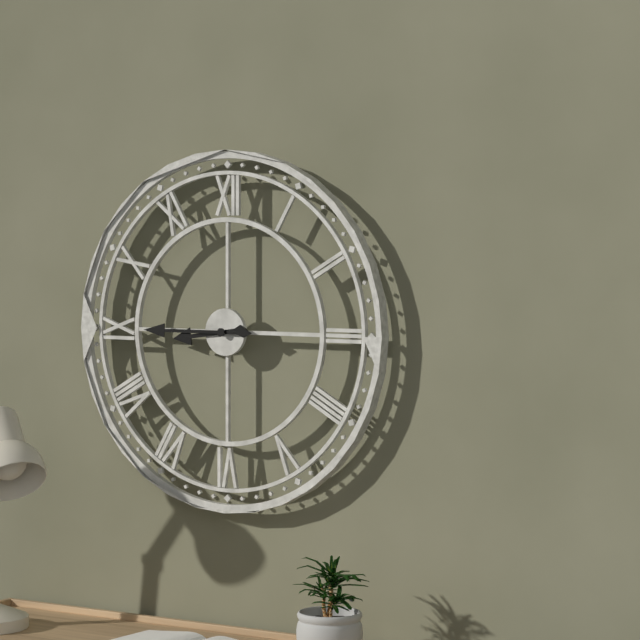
8:45
